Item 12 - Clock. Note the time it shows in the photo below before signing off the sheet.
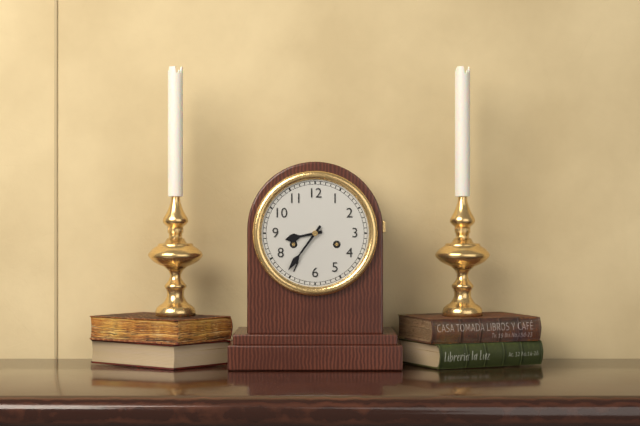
8:36
